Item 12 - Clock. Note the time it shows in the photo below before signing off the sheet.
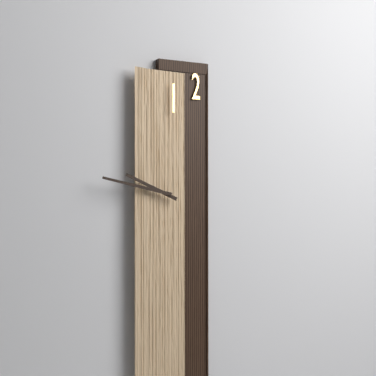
9:47
